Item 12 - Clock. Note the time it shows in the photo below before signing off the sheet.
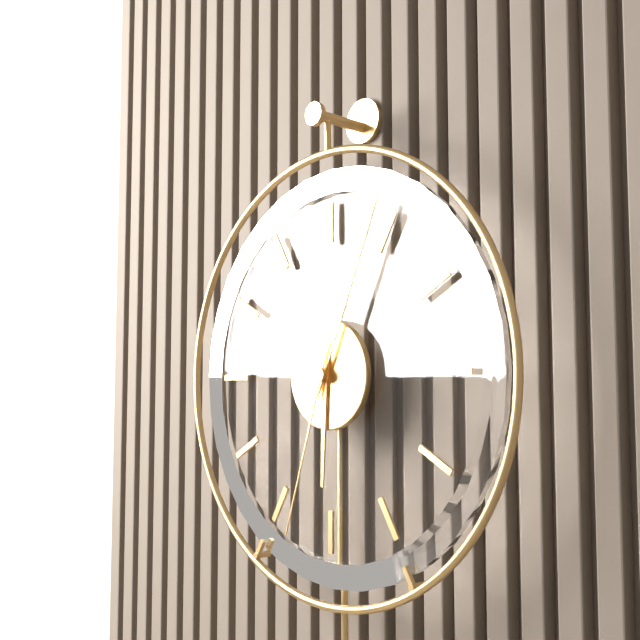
6:04:33
